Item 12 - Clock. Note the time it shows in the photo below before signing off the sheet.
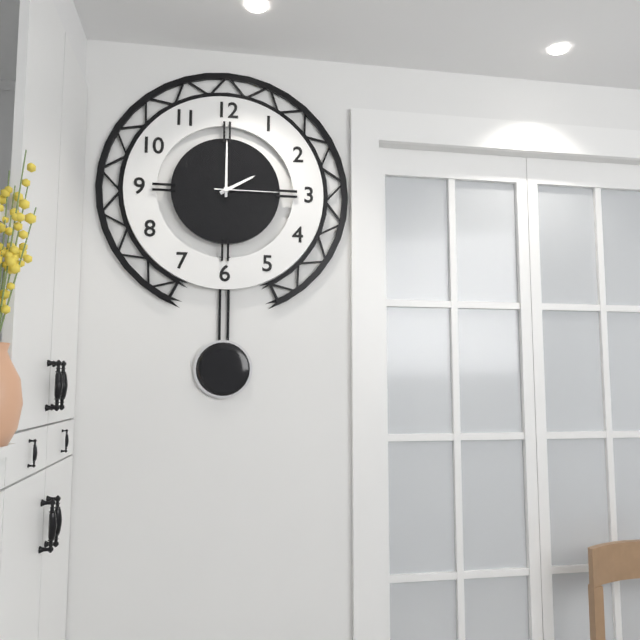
2:00:15
